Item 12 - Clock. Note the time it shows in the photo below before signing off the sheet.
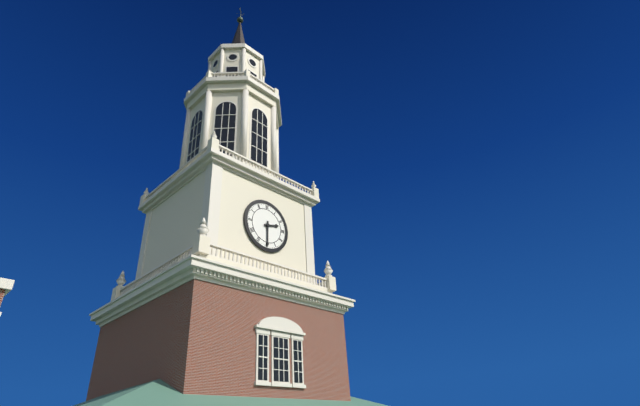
2:30
